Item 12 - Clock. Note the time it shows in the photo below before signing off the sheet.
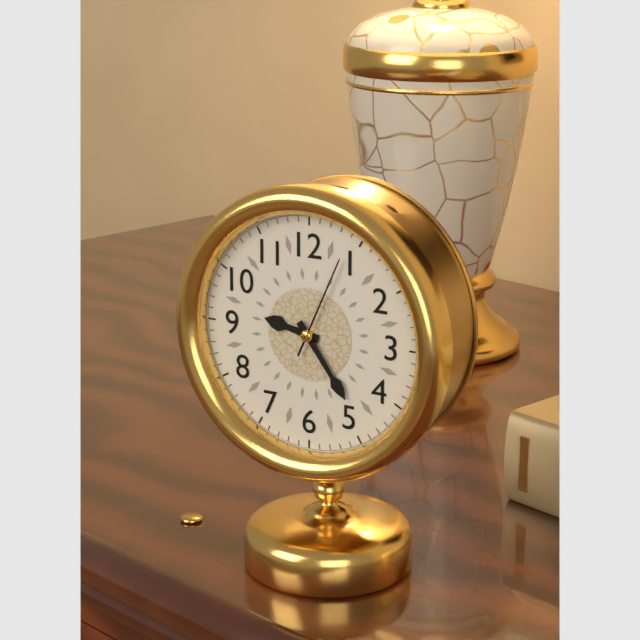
9:24:04
